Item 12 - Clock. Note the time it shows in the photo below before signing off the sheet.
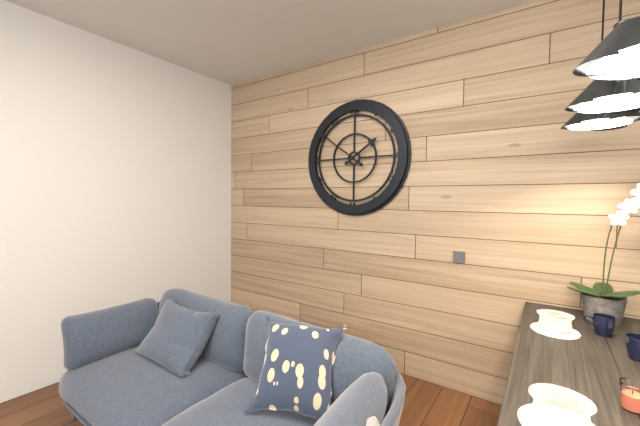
1:51
